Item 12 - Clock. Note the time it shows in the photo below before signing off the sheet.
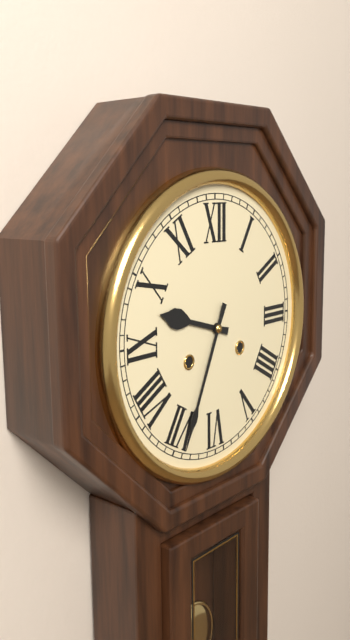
9:34
